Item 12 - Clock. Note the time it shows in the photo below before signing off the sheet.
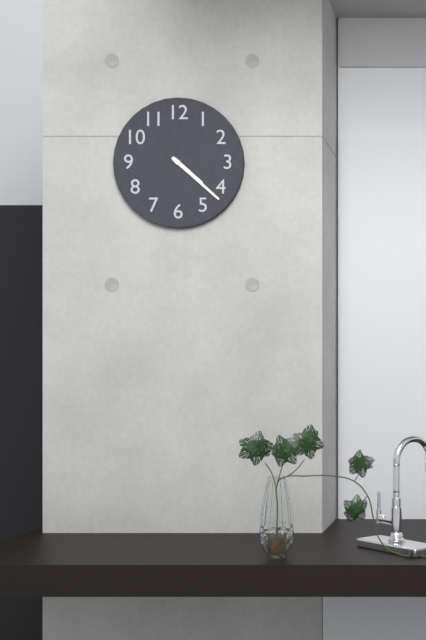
4:22
